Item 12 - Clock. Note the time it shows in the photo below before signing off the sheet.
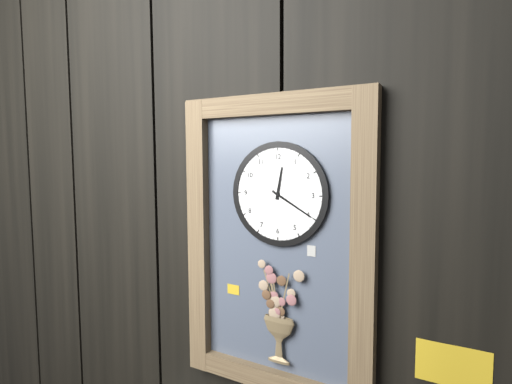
12:20
